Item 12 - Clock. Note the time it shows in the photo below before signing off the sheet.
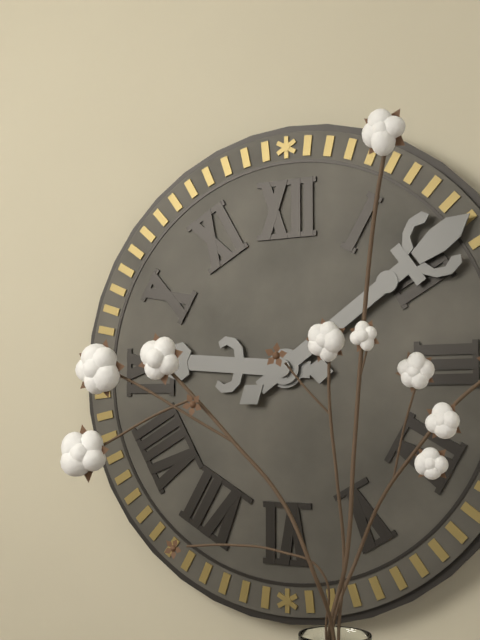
9:09
